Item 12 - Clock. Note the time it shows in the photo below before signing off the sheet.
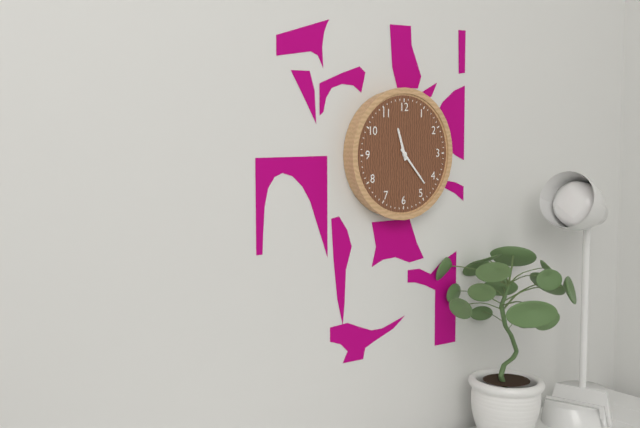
11:23
